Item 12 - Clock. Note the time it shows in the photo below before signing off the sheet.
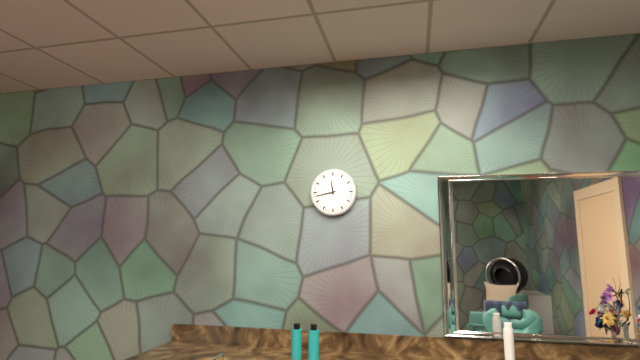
11:43
